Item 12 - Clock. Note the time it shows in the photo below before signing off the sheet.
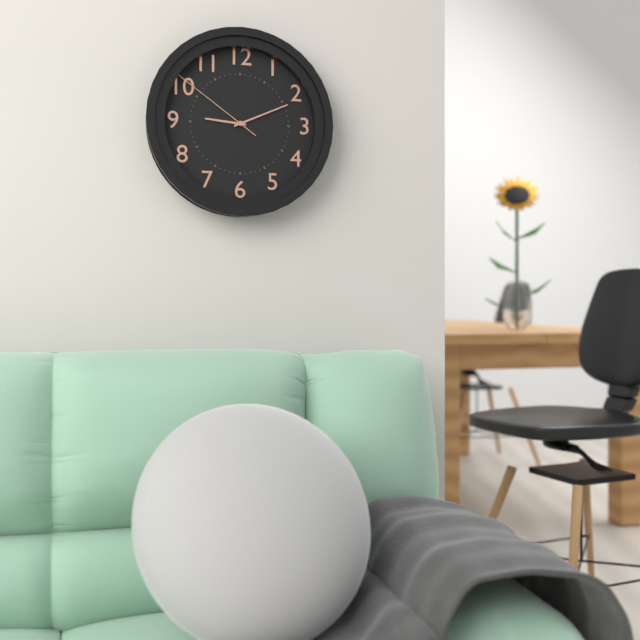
9:11:51
